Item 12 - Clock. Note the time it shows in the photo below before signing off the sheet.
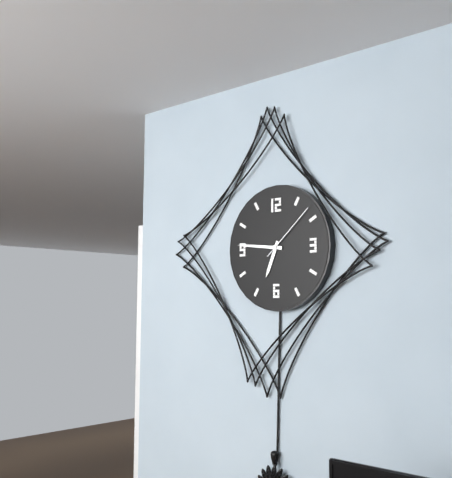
6:46:08
